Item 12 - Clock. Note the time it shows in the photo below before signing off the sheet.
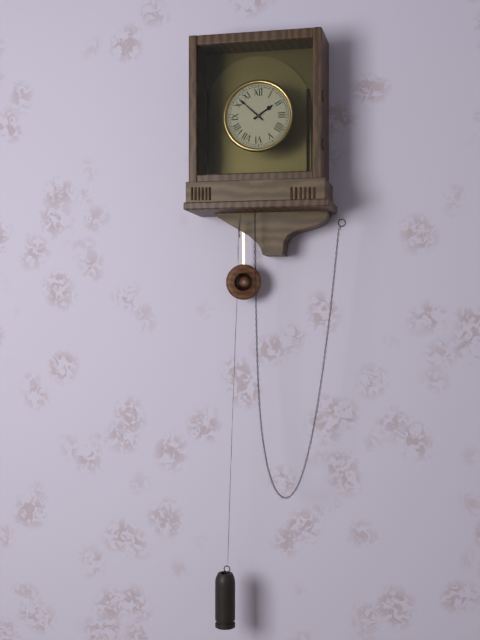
1:52
